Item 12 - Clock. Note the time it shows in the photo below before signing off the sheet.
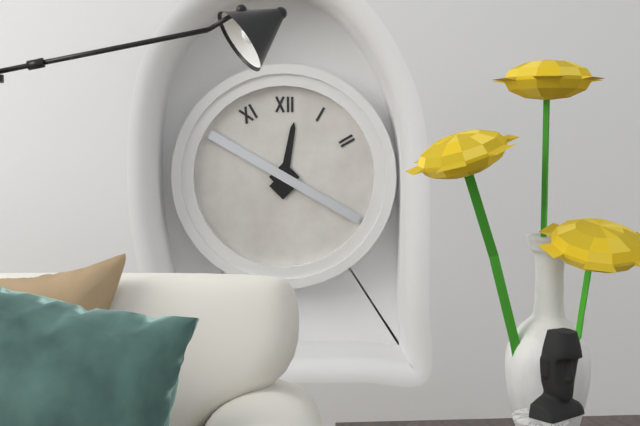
12:20
